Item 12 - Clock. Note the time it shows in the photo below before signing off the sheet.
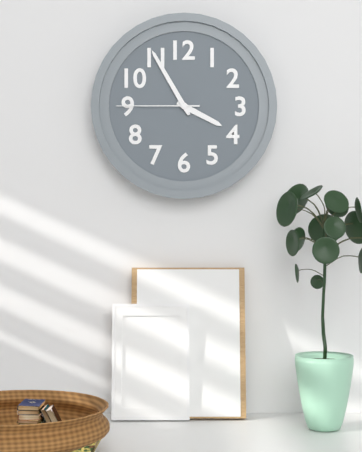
3:55:45
